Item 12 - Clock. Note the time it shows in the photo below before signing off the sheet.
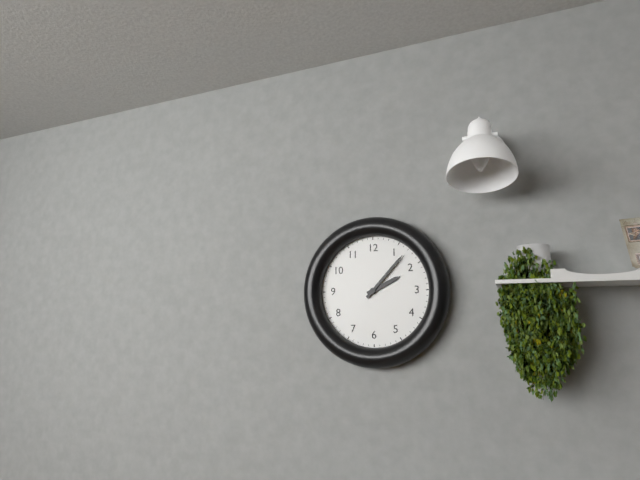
2:07
